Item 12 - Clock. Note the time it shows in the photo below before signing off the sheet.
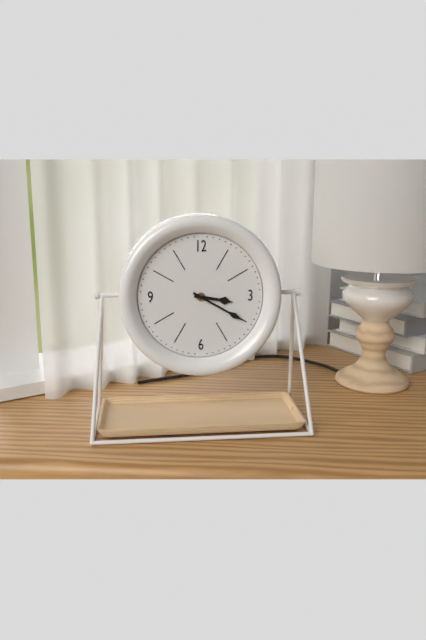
3:20
